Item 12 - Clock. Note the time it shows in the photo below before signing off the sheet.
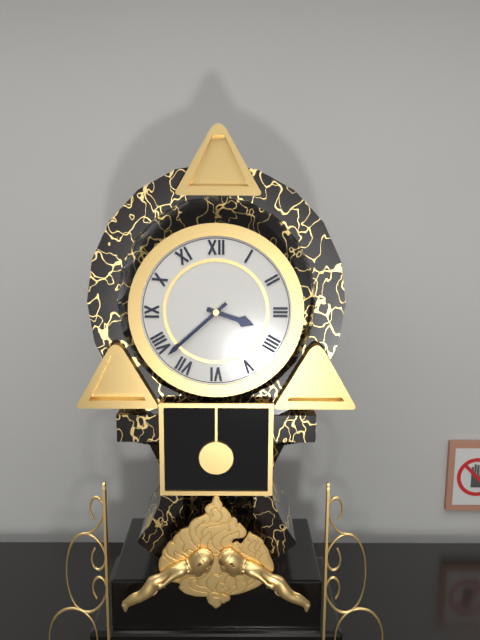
3:38
